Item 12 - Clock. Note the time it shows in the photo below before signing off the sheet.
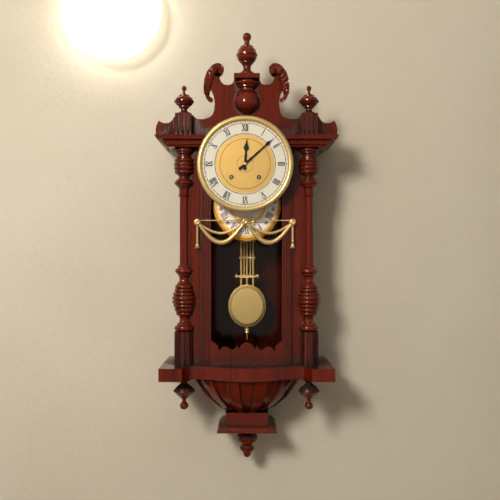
12:08
